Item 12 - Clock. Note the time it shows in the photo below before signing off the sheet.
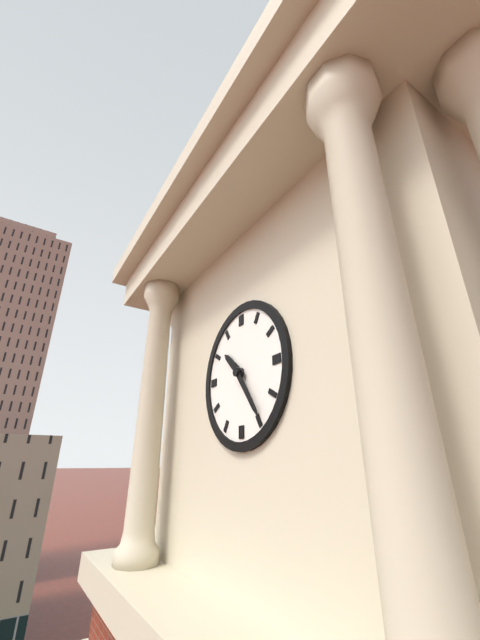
10:24
